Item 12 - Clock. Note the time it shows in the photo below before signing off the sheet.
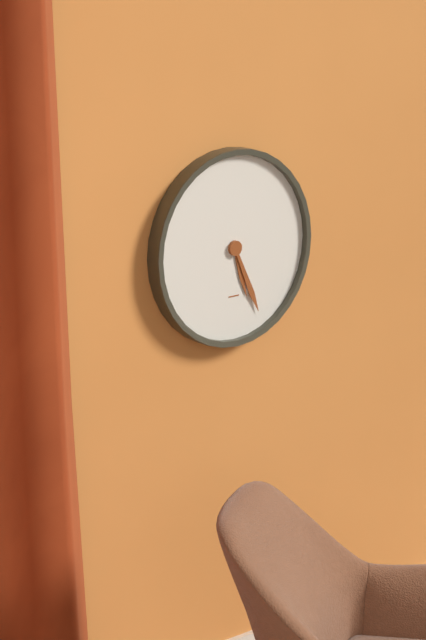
5:26
